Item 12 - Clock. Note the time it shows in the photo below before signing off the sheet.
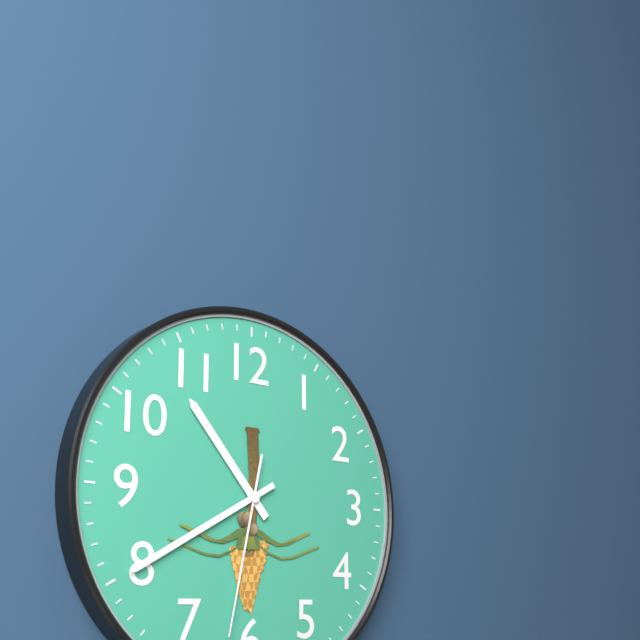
10:40:32
